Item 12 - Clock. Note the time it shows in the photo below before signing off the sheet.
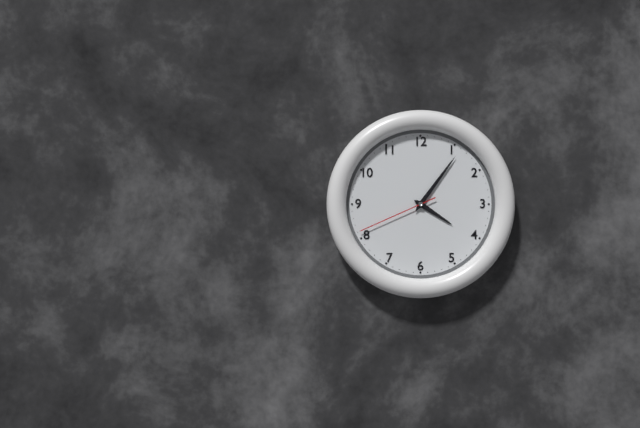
4:06:41
